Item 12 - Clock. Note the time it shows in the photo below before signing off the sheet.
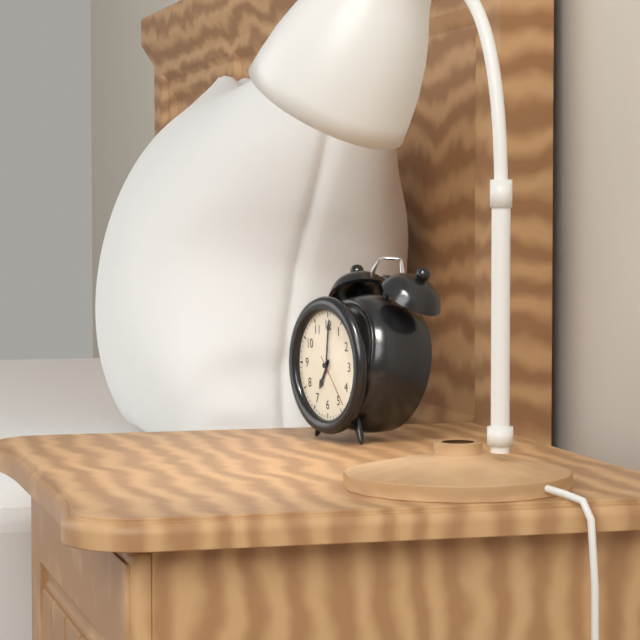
7:01:23
